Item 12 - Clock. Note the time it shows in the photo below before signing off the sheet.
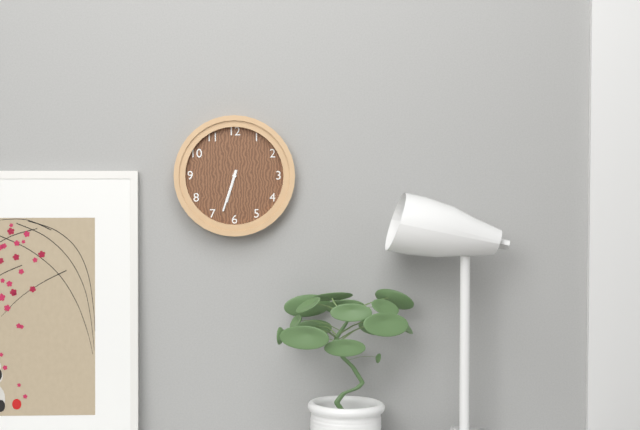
6:33
